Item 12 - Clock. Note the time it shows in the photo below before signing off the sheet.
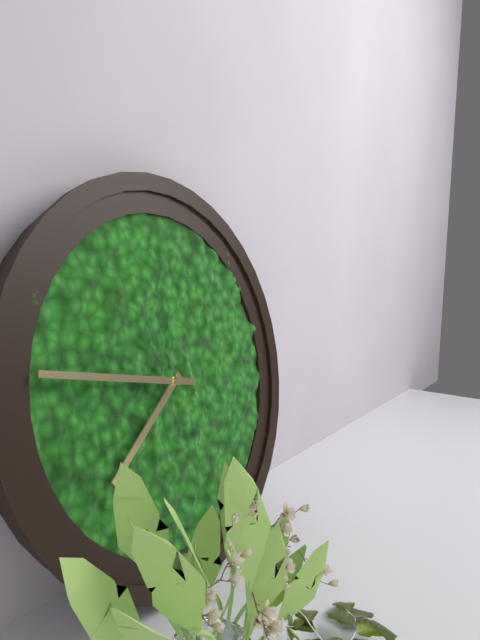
7:47
